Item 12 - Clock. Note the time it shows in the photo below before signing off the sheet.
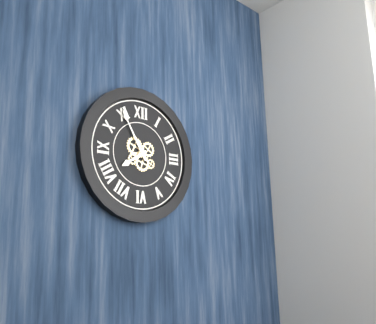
7:55
